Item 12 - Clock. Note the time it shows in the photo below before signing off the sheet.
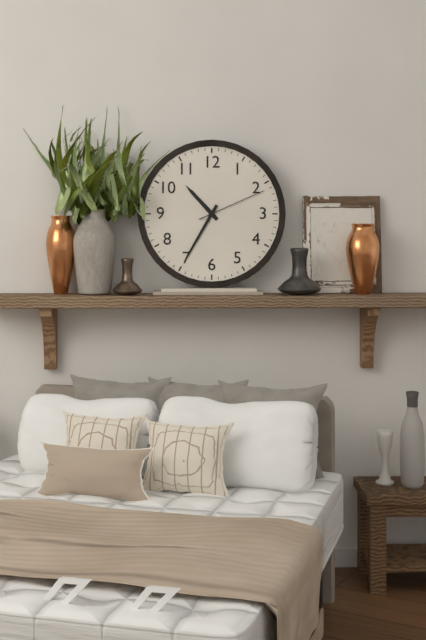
10:35:11
